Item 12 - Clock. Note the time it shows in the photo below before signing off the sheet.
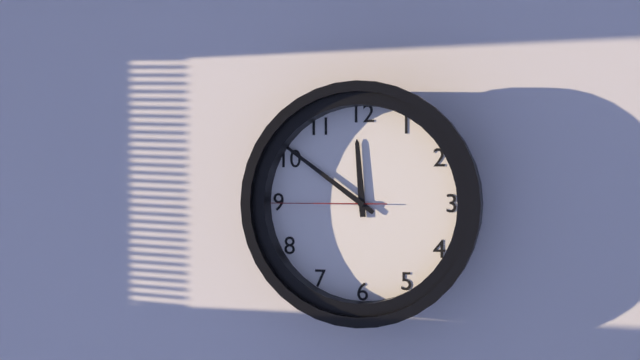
11:51:45
